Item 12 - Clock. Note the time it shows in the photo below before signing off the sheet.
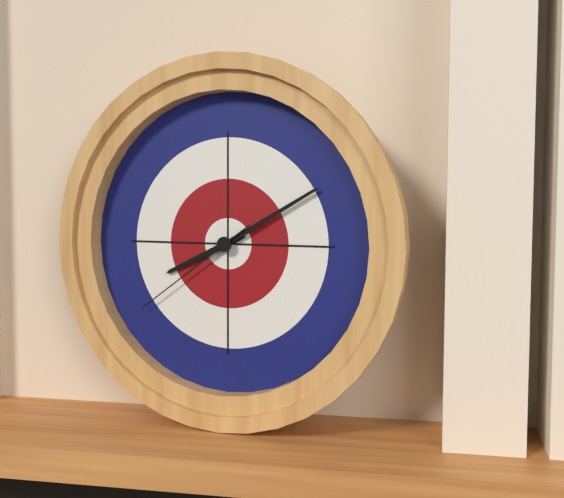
8:10:39
